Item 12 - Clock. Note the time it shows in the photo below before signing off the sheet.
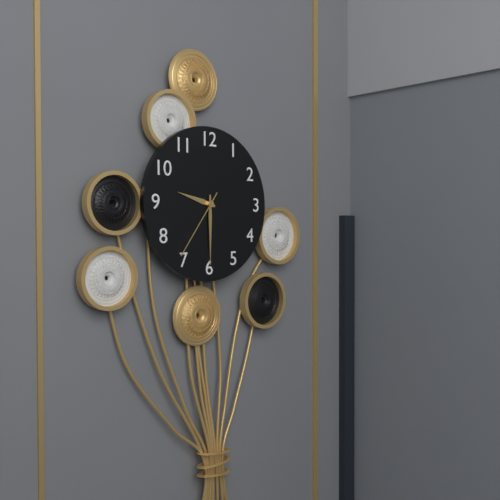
9:30:36
